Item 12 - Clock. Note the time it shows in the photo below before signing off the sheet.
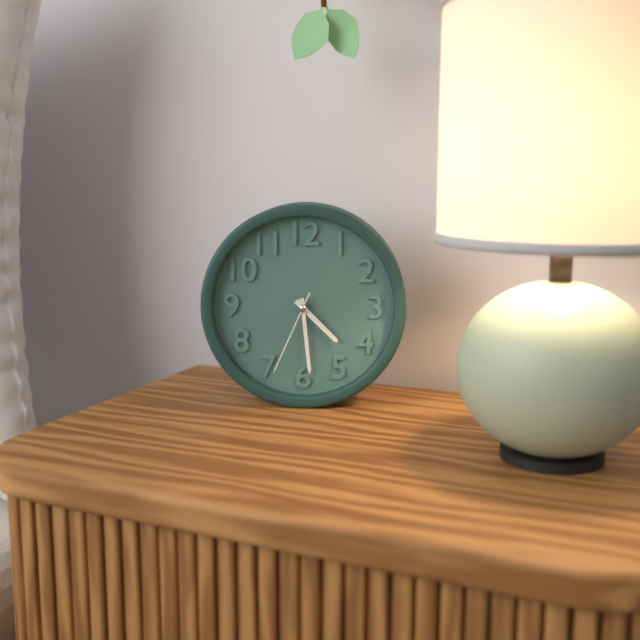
4:29:34
